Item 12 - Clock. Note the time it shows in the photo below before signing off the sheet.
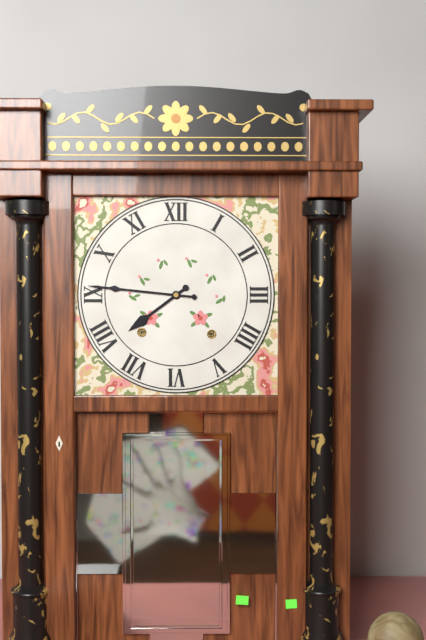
7:46
